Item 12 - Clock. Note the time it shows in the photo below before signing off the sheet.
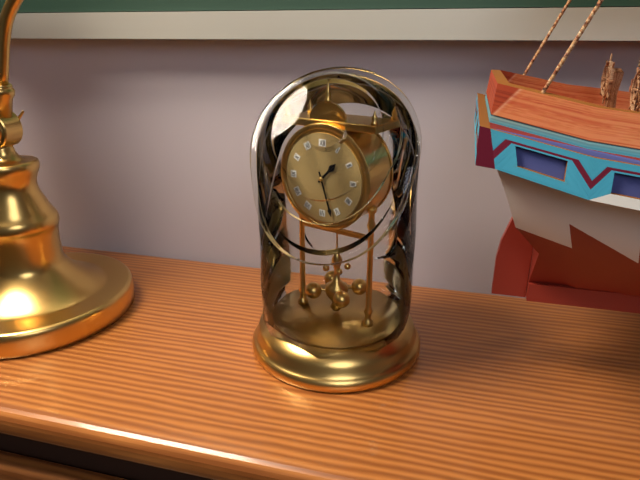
1:27
